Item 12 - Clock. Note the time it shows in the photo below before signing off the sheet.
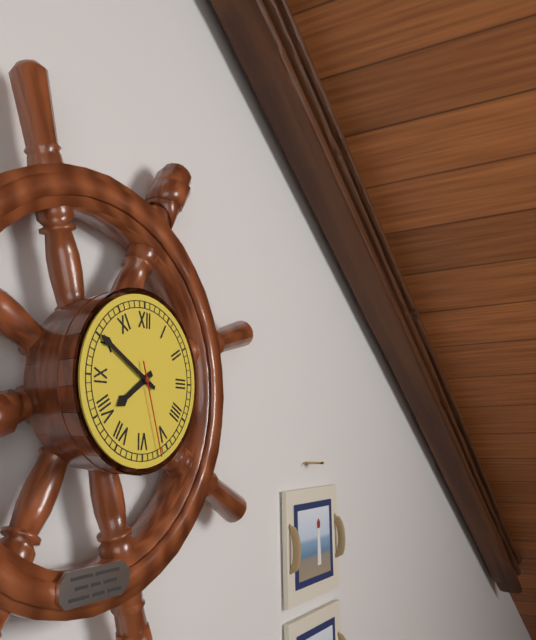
7:50:27
